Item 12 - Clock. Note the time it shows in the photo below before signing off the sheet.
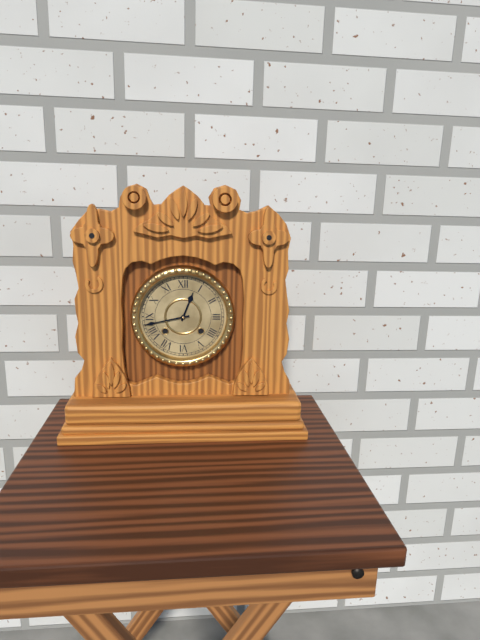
12:43
